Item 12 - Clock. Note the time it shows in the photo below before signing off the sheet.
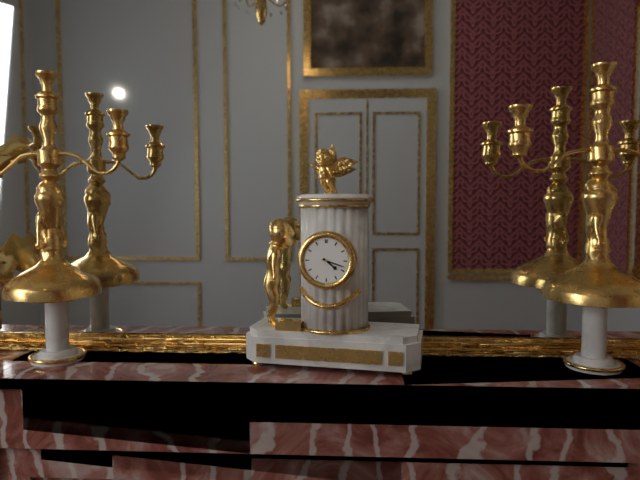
4:18
